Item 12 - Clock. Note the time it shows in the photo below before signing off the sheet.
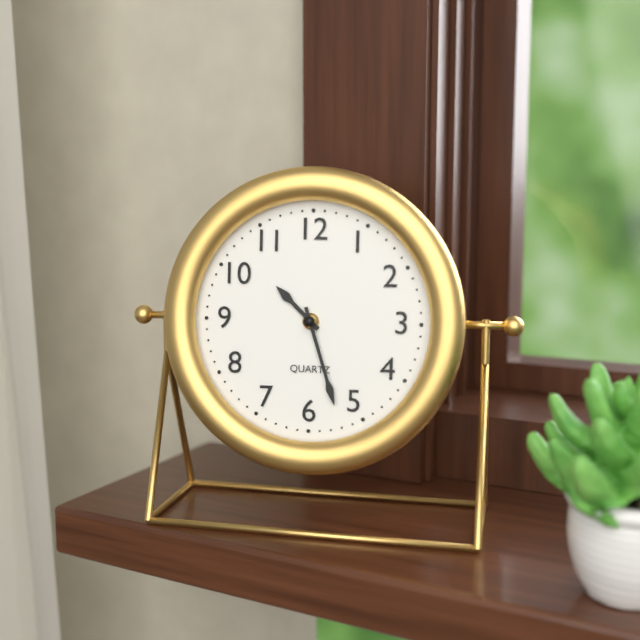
10:27
